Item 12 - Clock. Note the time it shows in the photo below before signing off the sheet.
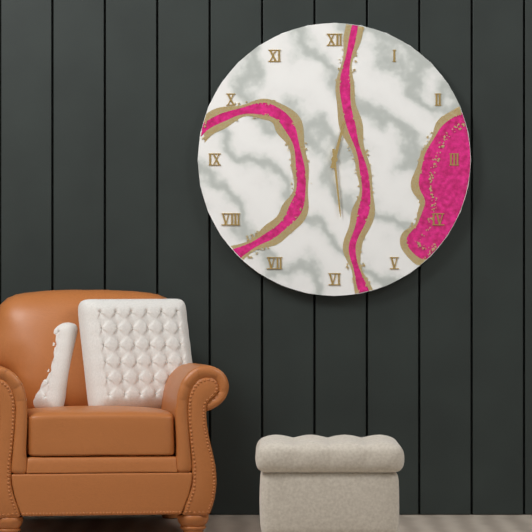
12:29
